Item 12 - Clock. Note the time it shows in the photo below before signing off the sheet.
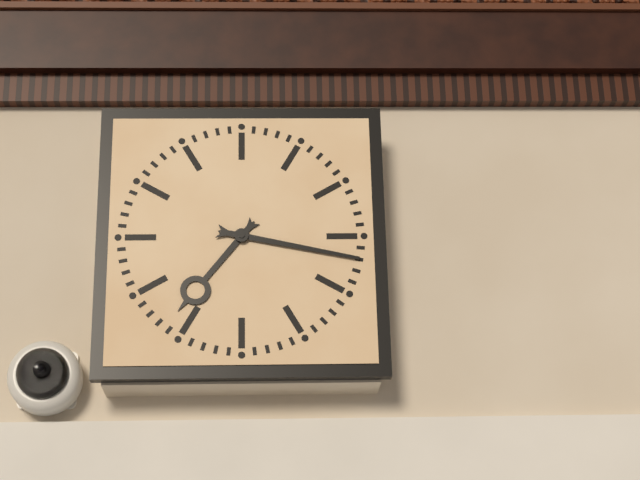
7:17
